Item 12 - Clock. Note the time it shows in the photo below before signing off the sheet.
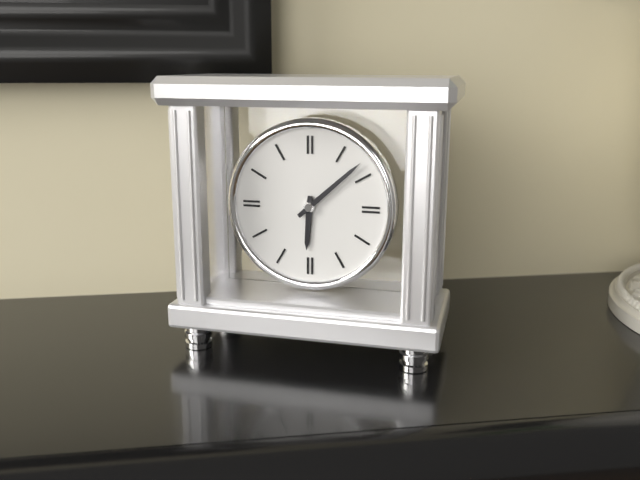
6:08
